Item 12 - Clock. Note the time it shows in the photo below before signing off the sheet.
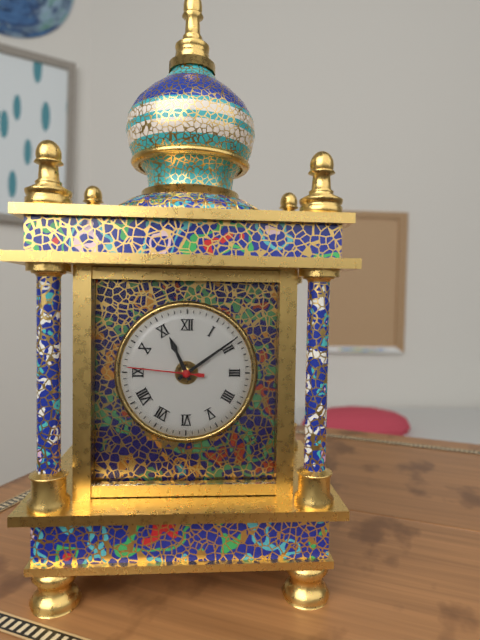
11:09:46
